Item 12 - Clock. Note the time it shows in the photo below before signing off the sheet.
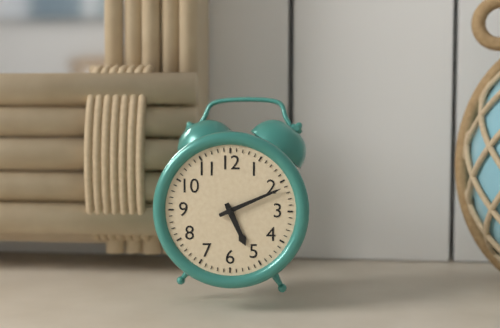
5:11
